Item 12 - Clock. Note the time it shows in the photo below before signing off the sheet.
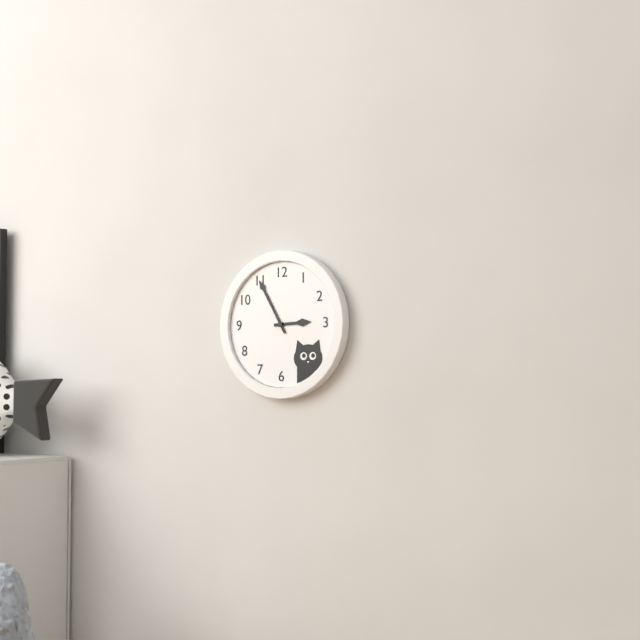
2:55
